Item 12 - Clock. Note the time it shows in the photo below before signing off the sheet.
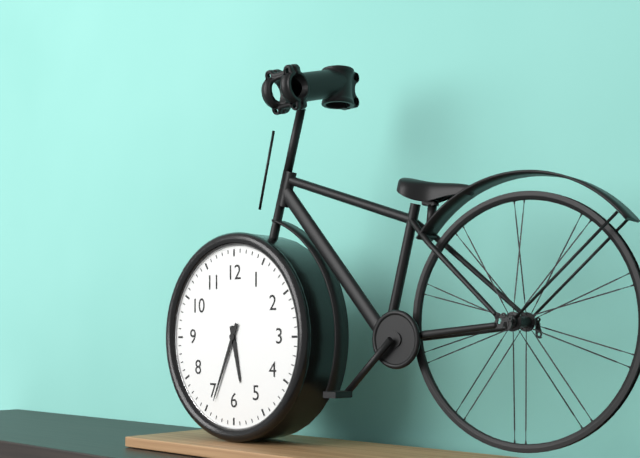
5:34
